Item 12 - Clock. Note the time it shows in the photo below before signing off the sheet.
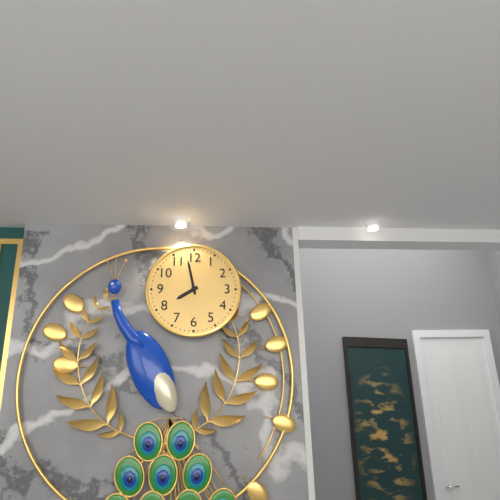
7:58
